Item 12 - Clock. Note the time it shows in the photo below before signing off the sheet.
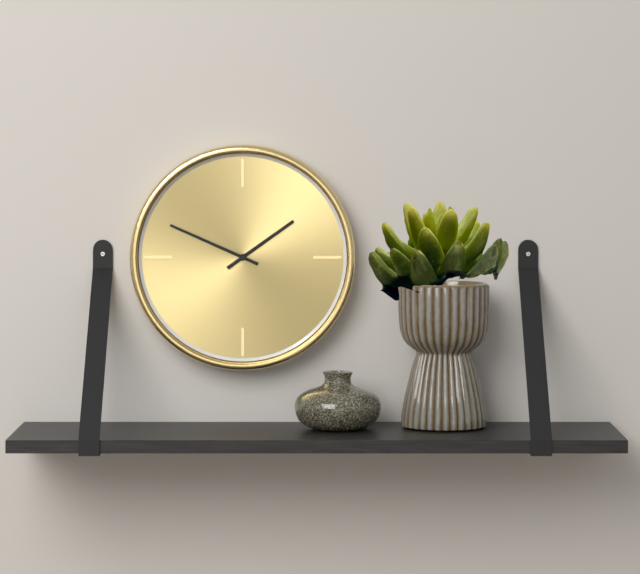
1:49
